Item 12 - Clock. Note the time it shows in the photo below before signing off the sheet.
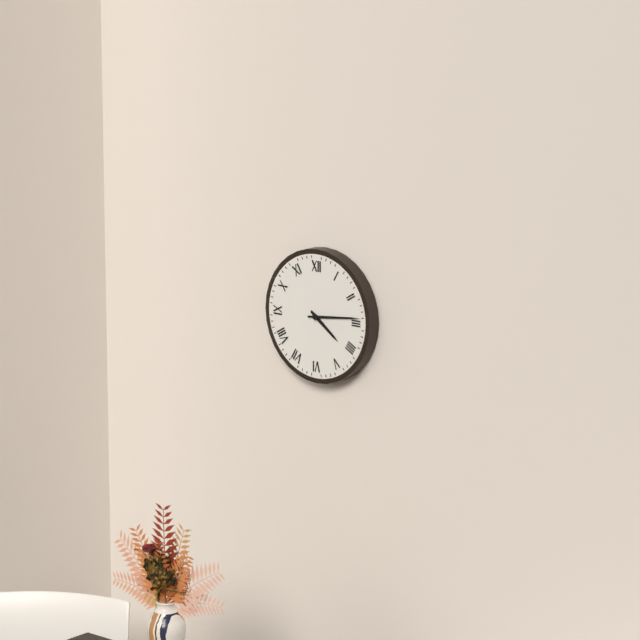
4:14
